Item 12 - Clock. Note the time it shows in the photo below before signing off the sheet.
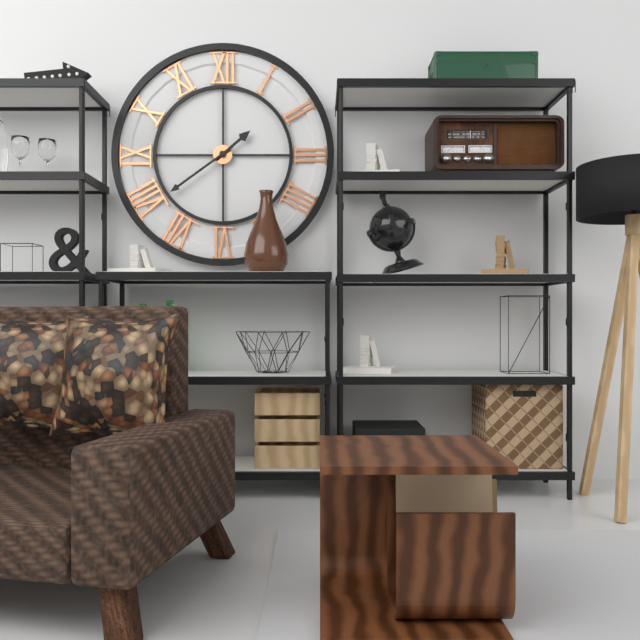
1:39
